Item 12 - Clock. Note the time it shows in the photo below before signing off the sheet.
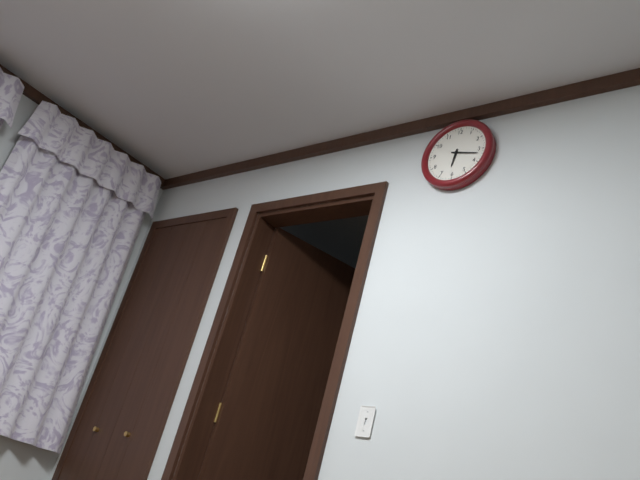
6:17
